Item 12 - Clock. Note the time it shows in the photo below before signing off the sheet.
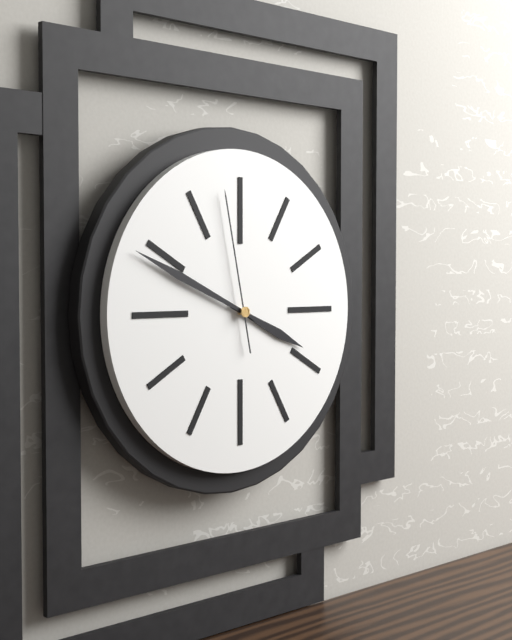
3:49:58
